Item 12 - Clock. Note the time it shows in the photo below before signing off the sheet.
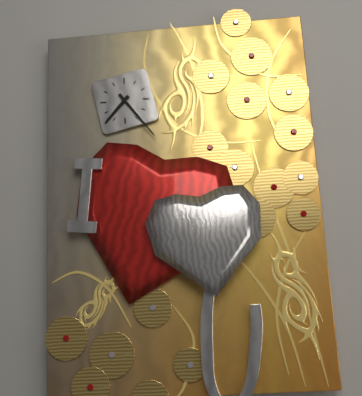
7:24
